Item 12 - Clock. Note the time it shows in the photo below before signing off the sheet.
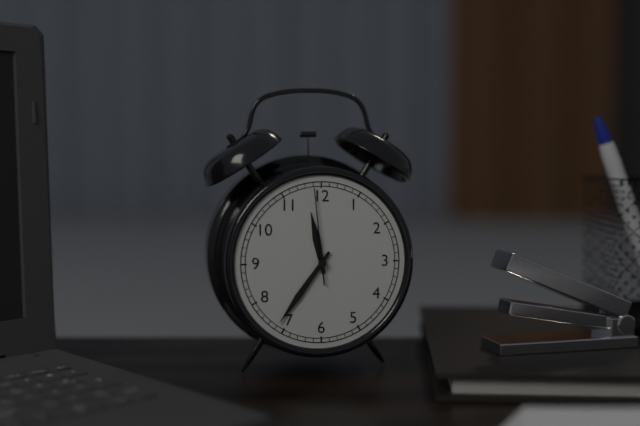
11:36:59
